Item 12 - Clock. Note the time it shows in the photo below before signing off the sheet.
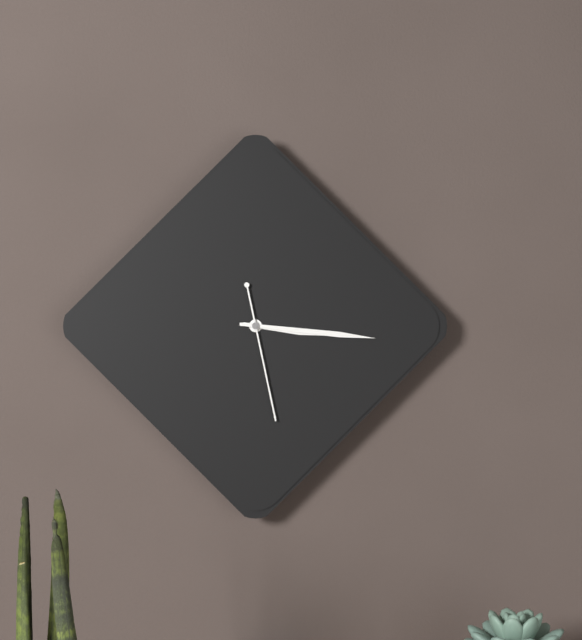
3:16:28
